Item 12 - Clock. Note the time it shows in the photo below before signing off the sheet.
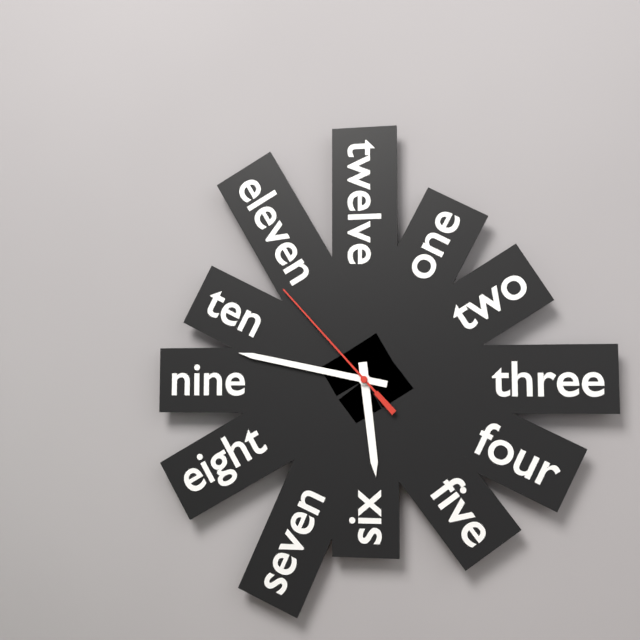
5:47:53
